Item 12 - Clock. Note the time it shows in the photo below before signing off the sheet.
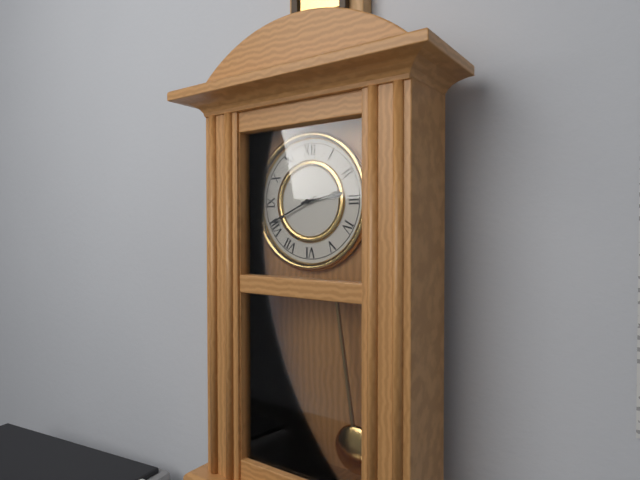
2:41
